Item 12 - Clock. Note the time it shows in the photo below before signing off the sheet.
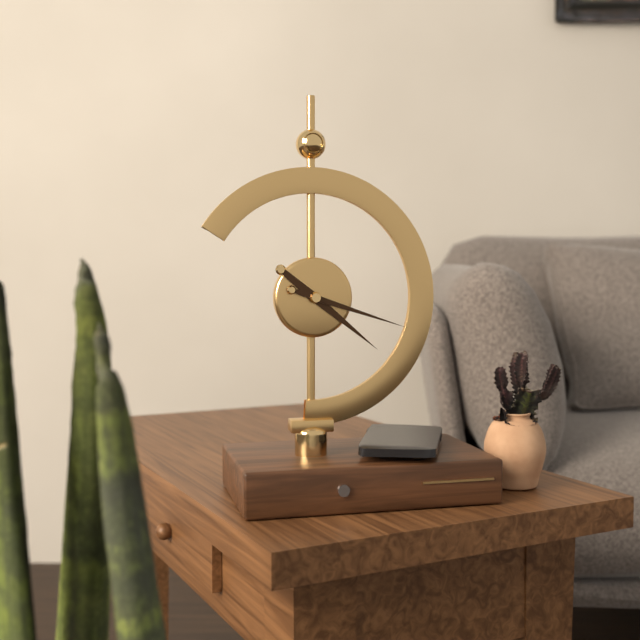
4:18
